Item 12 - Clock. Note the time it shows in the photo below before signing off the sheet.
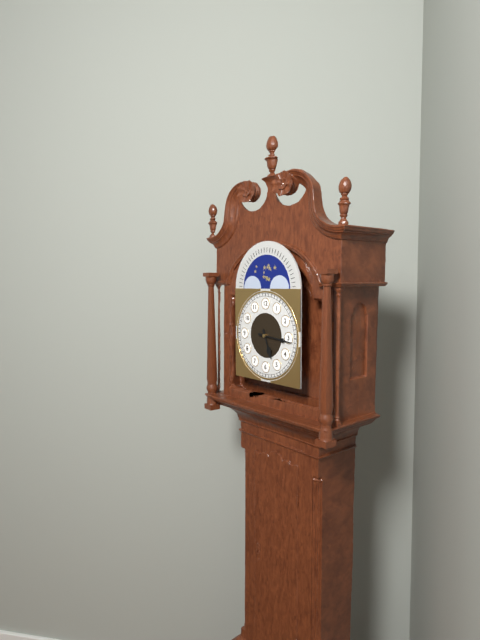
5:16
